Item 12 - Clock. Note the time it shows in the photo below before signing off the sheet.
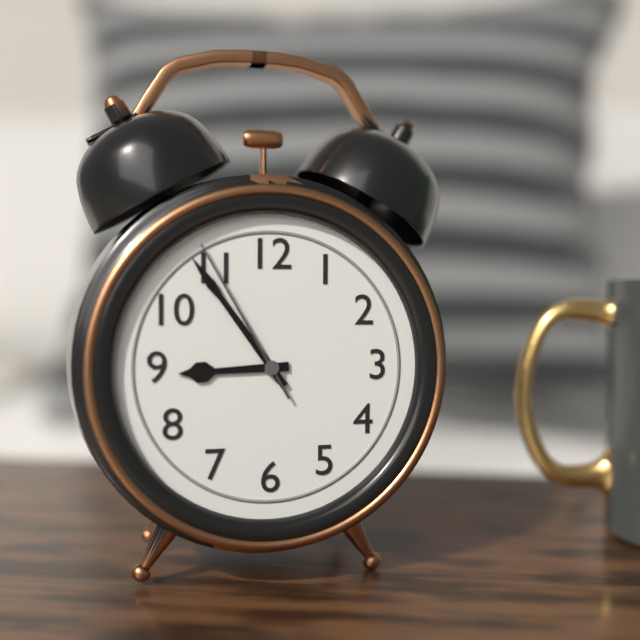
8:54:55
